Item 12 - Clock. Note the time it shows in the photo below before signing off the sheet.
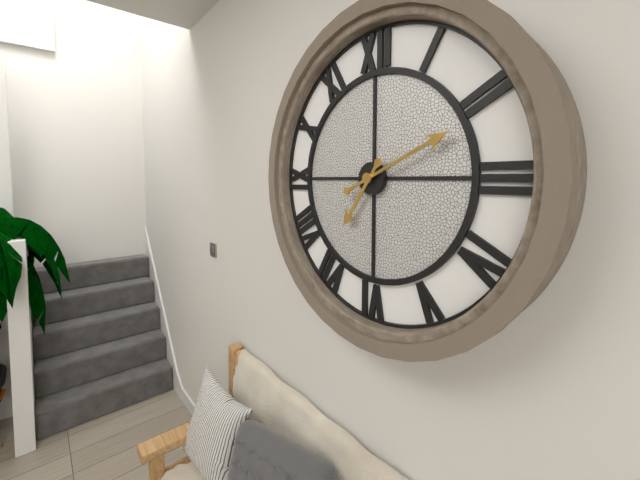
7:11
